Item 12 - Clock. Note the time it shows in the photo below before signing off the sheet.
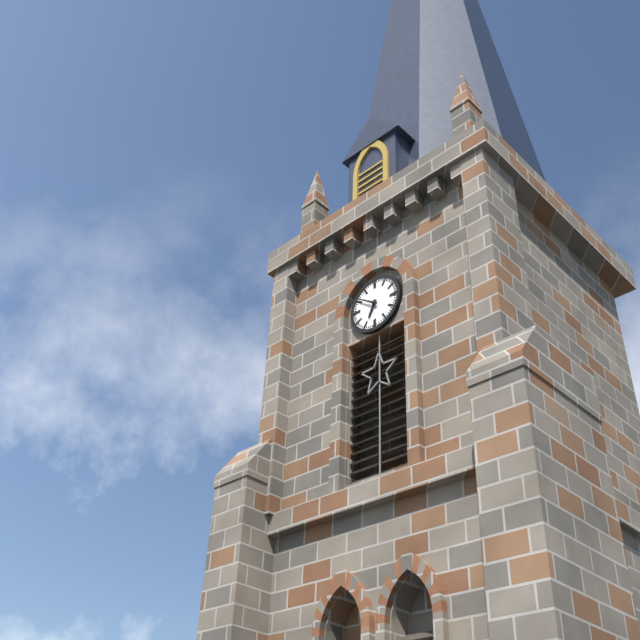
6:51
